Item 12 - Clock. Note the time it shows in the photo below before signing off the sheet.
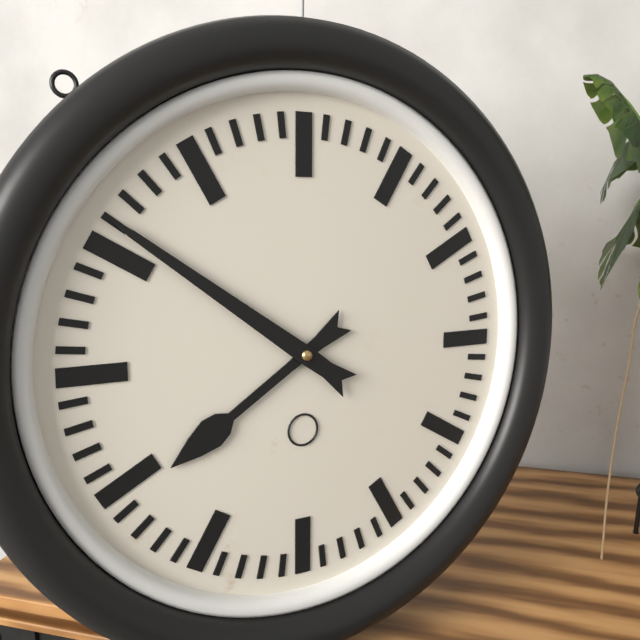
7:51
